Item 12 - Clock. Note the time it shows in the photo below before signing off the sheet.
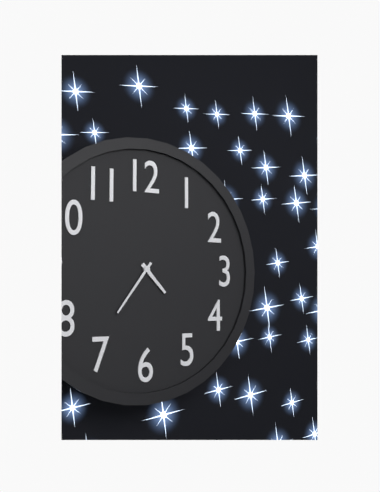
4:36
